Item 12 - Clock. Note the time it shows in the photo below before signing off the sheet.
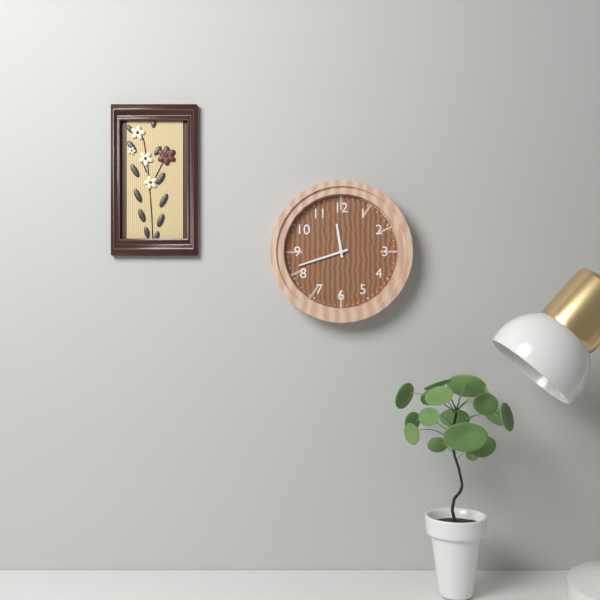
11:42
